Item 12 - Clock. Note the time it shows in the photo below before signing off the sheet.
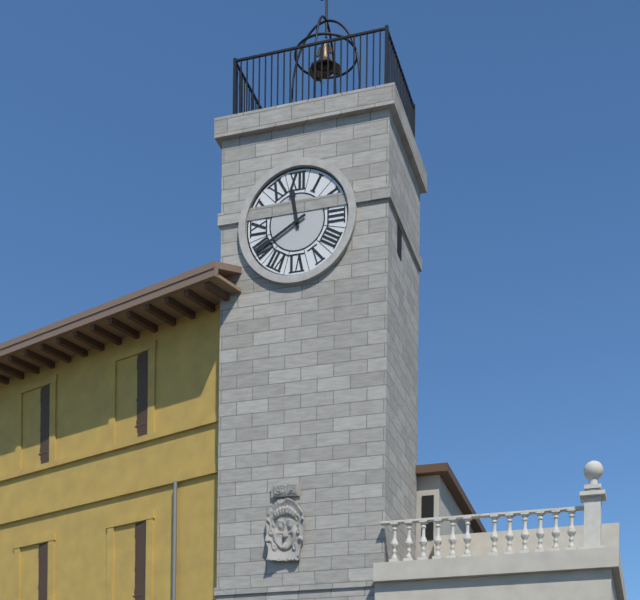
11:40
